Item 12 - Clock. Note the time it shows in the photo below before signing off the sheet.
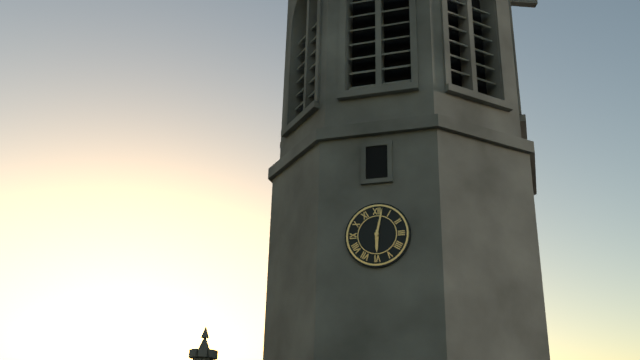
6:02
